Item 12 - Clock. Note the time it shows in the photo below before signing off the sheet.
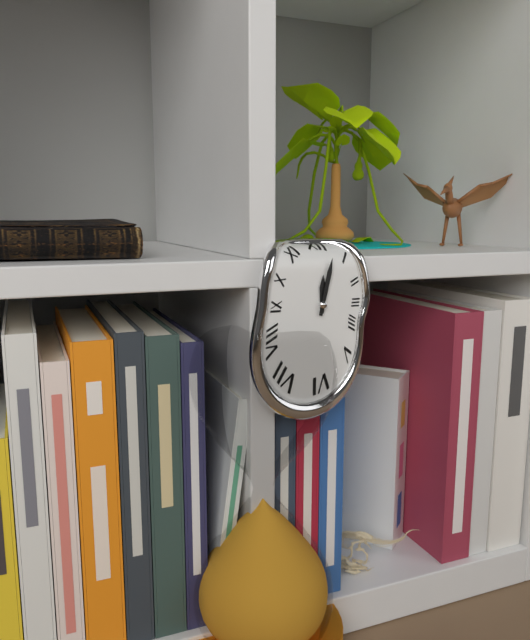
12:02
